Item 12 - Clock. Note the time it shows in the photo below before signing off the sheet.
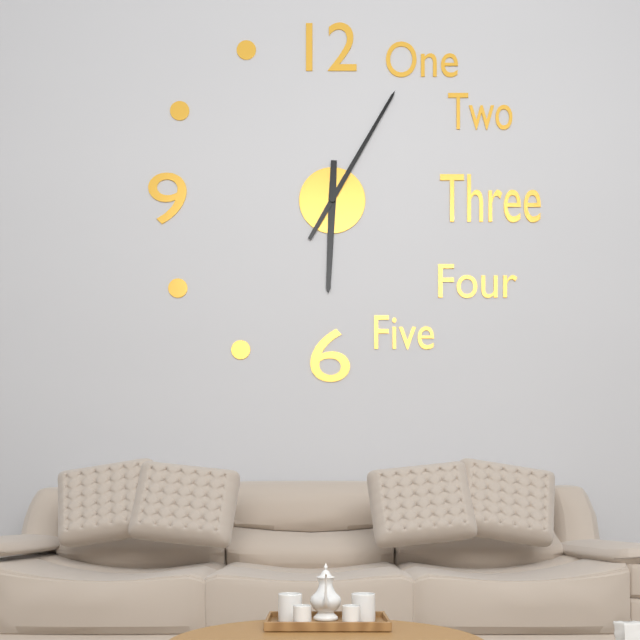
6:05
